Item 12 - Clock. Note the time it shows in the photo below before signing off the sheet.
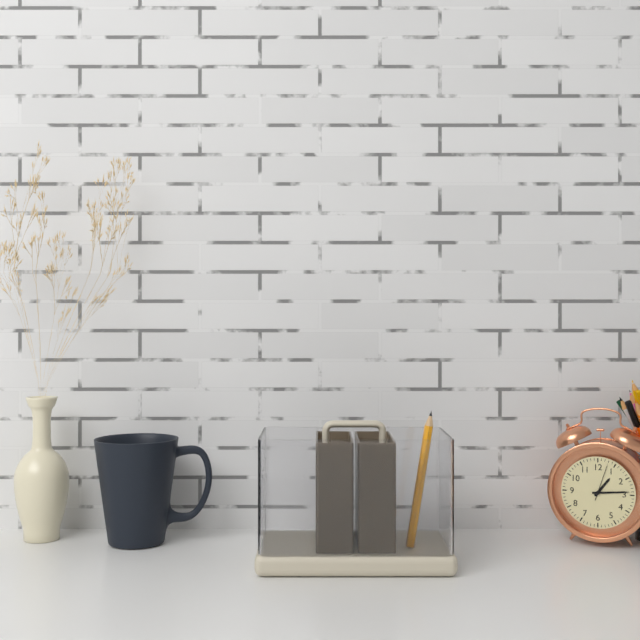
1:14
